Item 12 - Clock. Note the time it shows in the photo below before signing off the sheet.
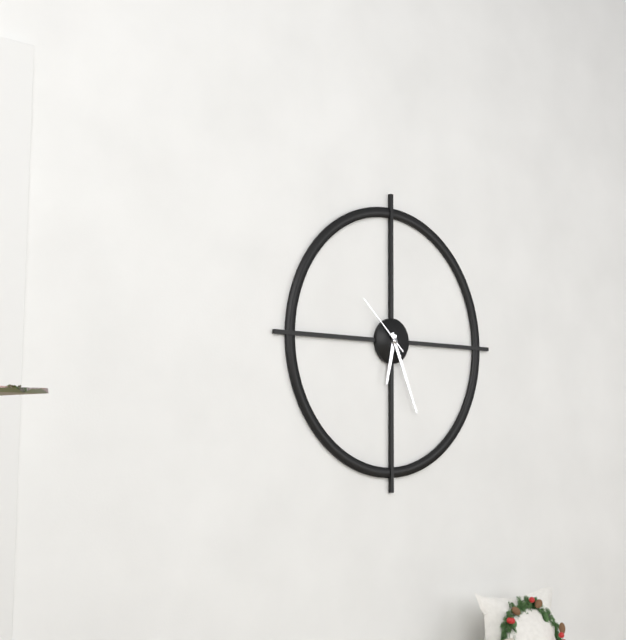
6:26:52
